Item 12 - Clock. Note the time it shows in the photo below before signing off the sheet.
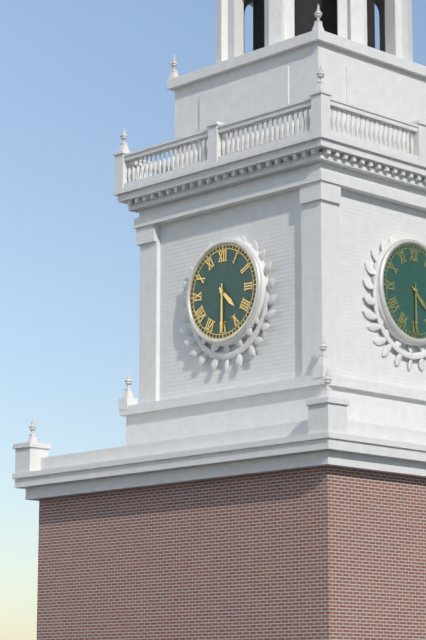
4:30
